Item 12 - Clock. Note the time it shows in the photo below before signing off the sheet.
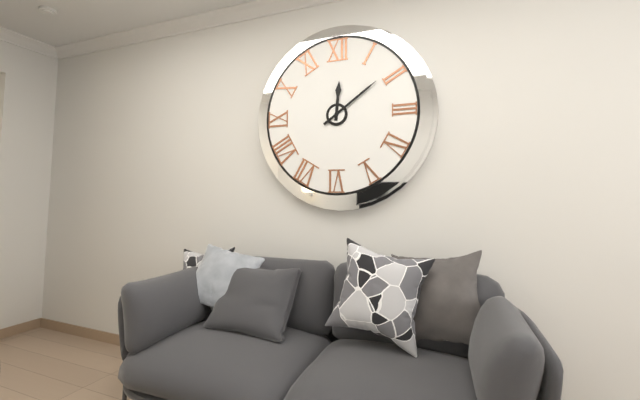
12:09
